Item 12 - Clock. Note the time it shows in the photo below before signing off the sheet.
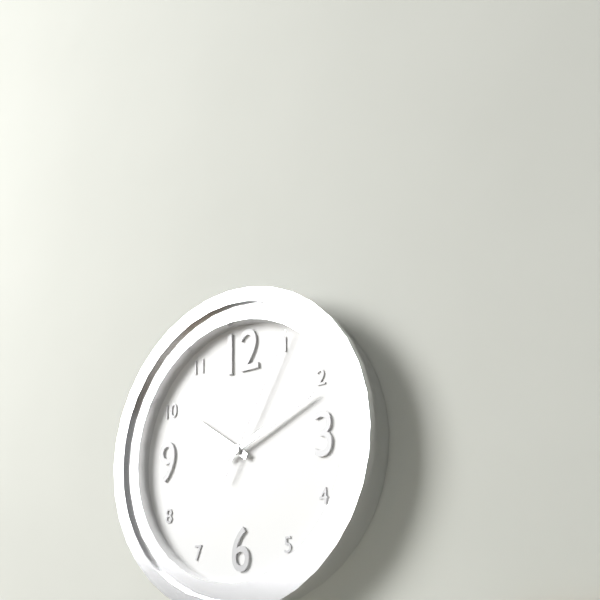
10:11:05
